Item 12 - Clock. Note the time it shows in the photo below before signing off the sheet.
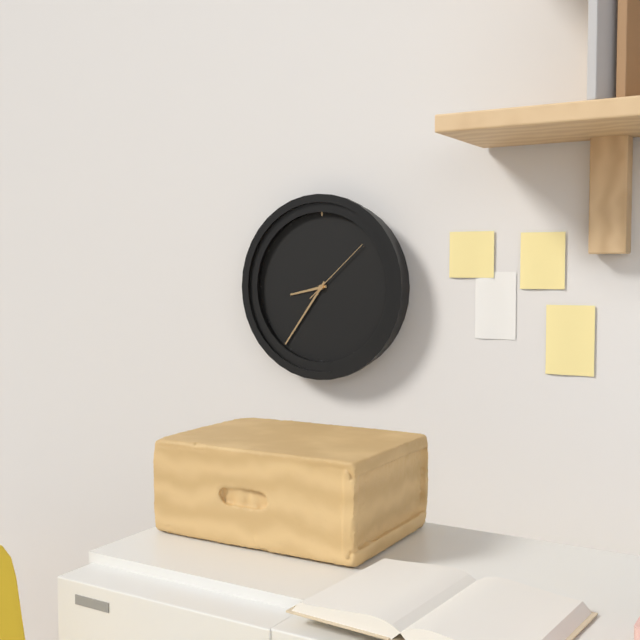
8:36:08
